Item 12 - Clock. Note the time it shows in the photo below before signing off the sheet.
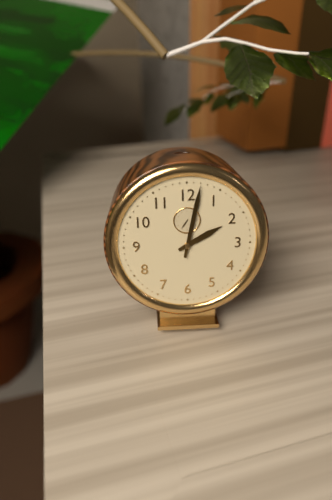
2:02
